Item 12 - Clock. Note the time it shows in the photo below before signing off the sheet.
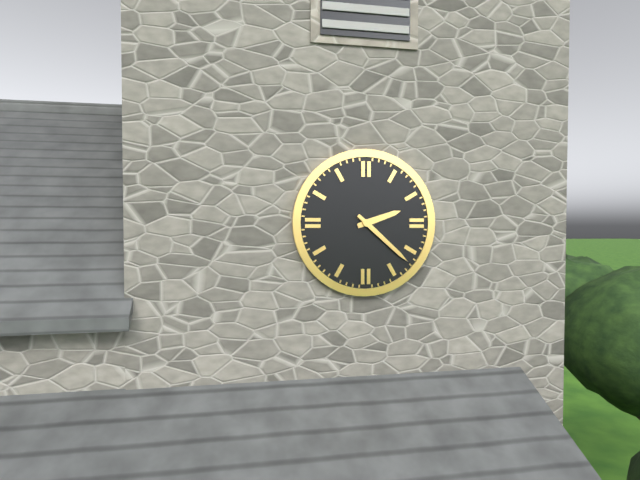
2:22
